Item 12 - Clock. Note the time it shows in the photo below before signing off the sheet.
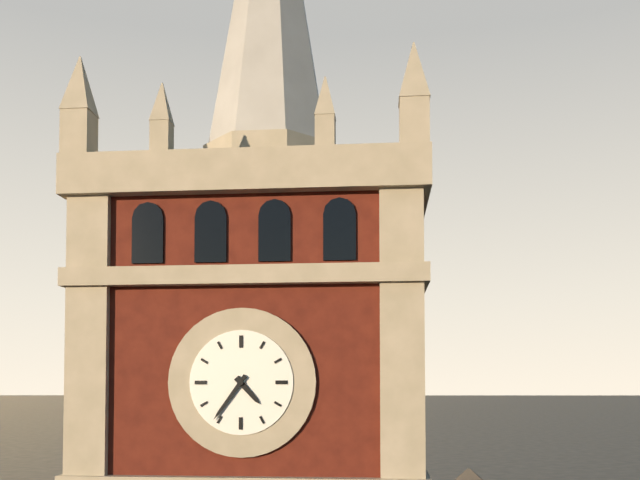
4:36
